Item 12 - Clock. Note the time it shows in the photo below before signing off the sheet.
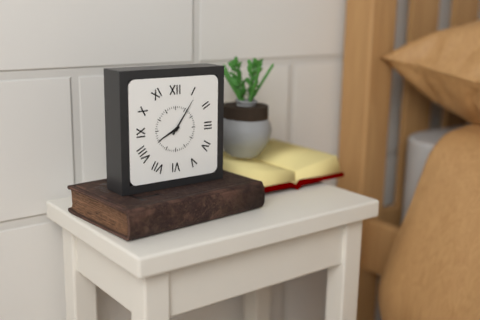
8:06
